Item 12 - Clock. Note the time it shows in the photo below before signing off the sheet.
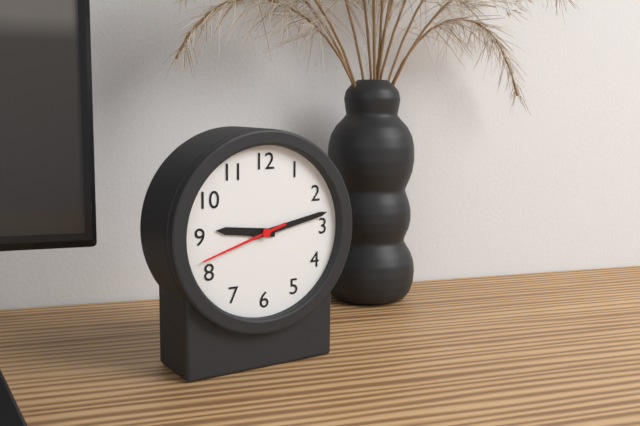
9:13:42
